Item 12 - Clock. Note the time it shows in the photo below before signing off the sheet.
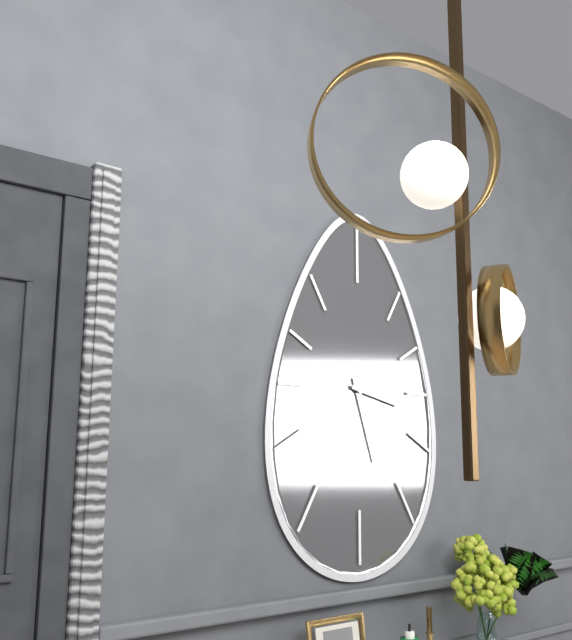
3:27
